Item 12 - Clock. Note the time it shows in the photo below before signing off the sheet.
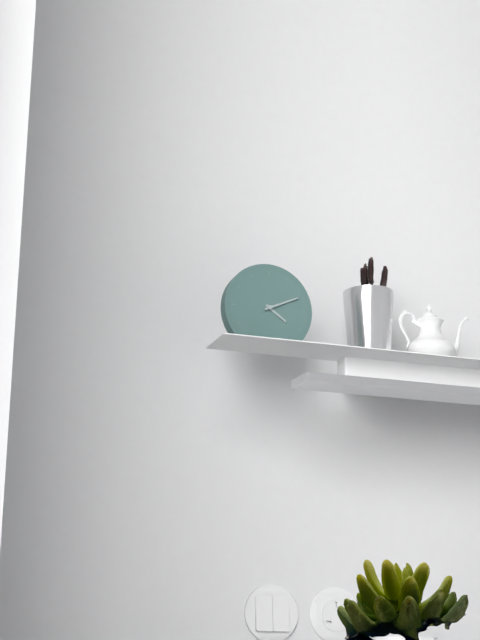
4:11
